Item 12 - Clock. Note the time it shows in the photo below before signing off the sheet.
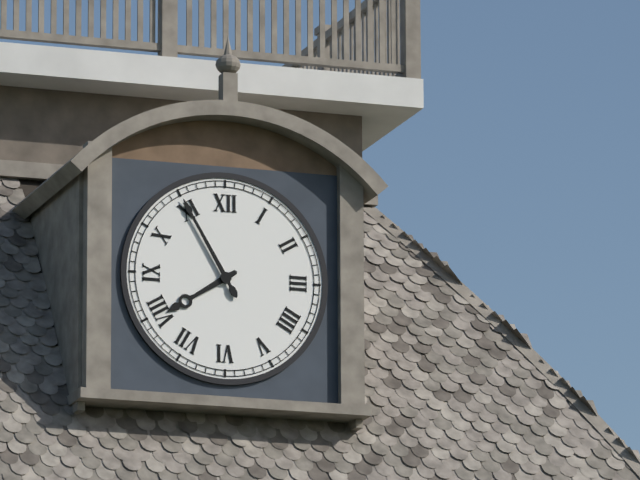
7:55
